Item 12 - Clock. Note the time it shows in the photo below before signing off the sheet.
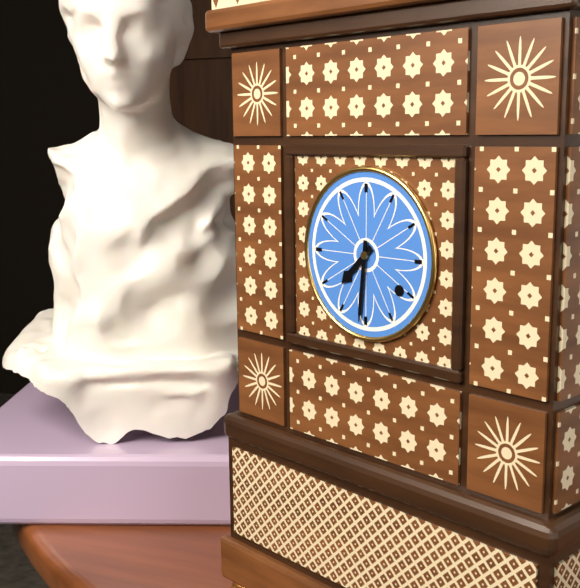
7:31
